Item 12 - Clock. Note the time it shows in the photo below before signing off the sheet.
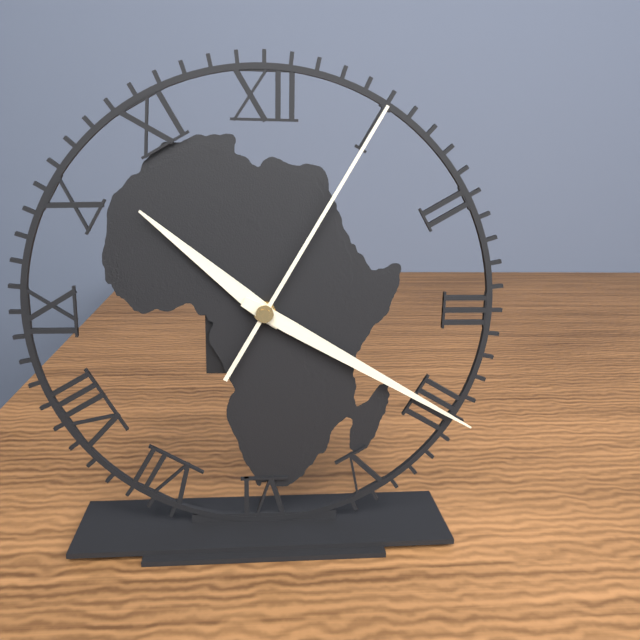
10:20:05
